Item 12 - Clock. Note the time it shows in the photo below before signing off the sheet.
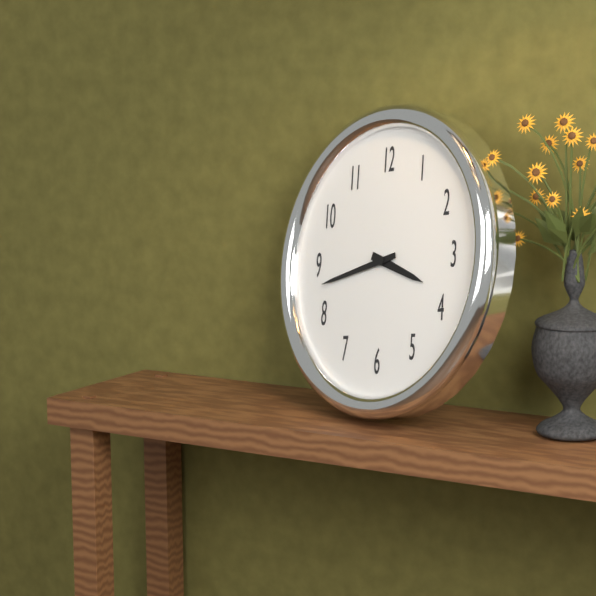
3:43
